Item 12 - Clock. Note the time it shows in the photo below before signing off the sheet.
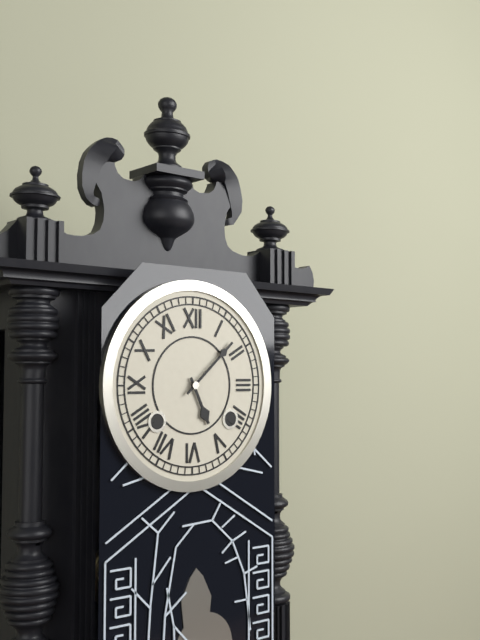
5:08
